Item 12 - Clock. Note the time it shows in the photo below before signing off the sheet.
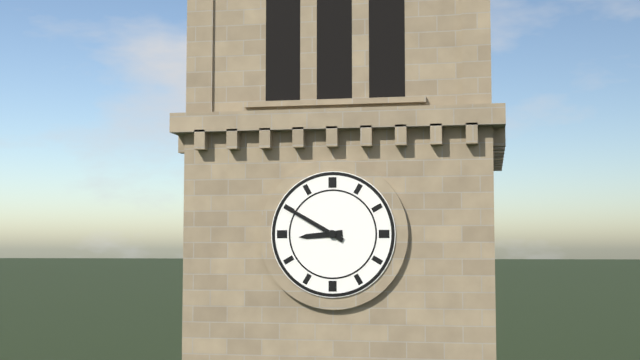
8:50
